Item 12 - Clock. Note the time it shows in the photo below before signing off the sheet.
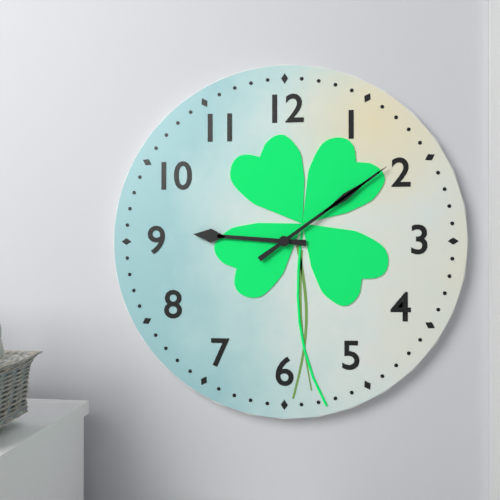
9:09
